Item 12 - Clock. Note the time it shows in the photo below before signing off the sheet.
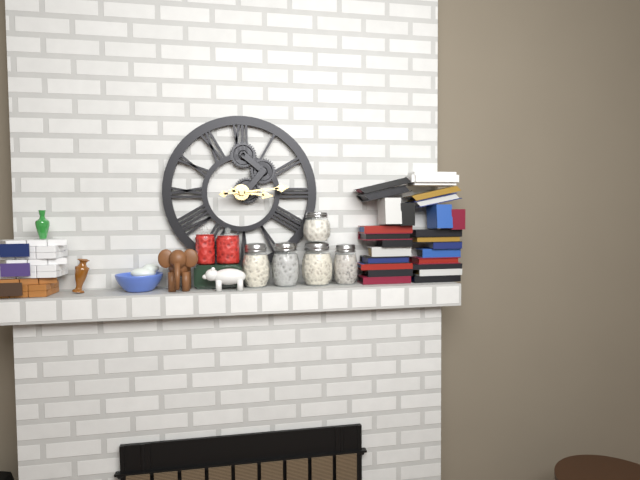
3:14
